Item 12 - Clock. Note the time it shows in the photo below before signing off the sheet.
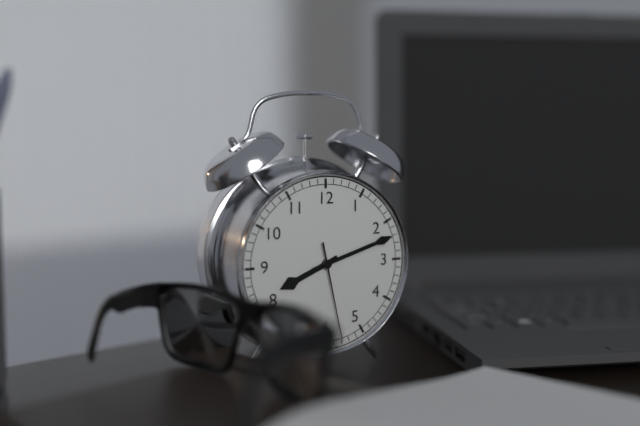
8:12:28
